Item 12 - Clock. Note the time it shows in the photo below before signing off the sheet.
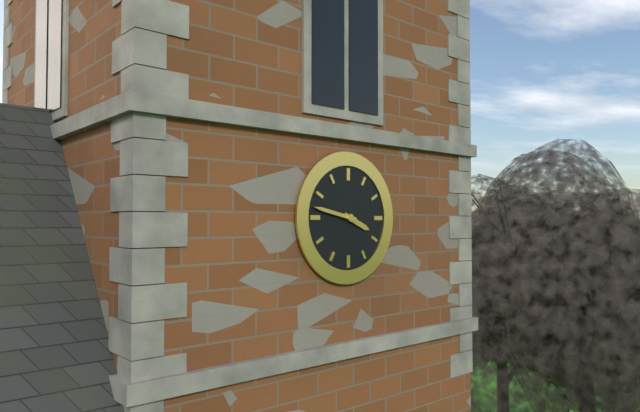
3:47
